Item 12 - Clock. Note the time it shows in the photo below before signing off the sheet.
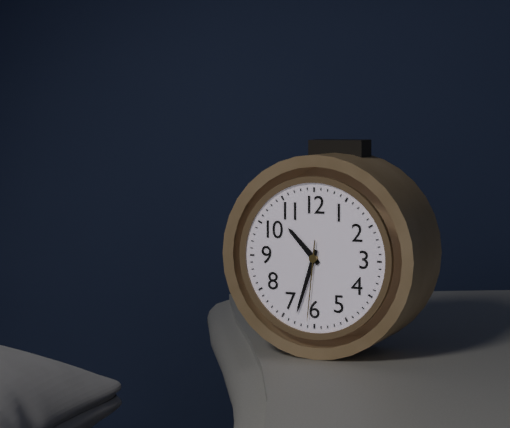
10:33:31
